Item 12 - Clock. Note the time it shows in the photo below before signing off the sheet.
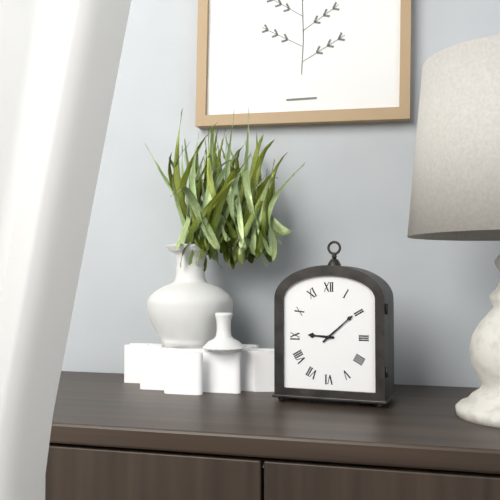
9:08
